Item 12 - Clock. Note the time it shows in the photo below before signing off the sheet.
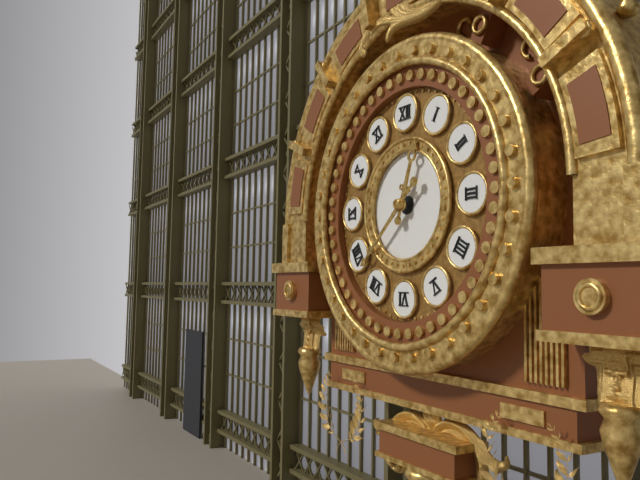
12:38
